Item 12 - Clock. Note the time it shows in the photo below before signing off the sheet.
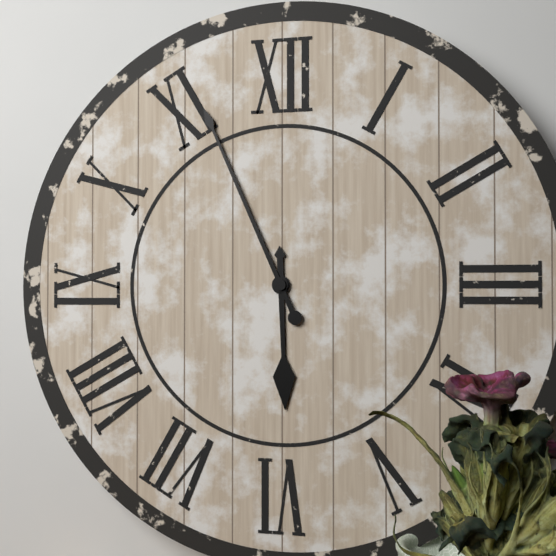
5:56
